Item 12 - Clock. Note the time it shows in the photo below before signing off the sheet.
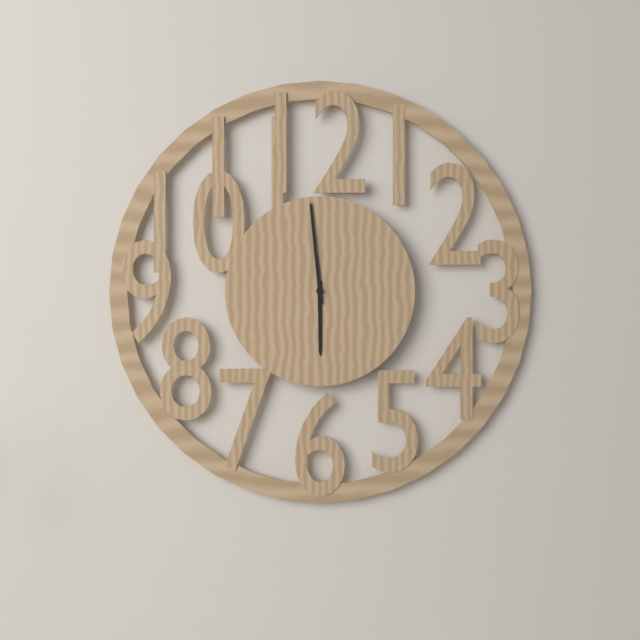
5:59
